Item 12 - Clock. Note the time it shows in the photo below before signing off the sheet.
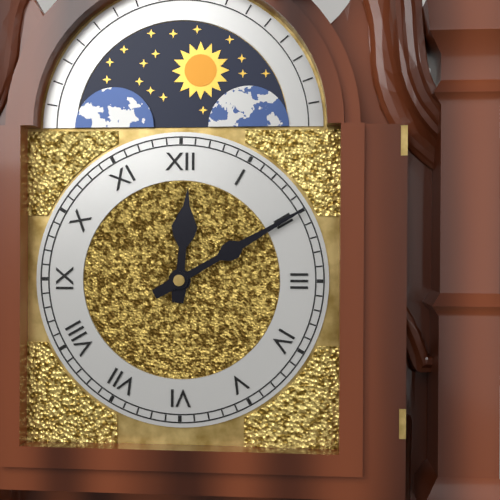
12:10
